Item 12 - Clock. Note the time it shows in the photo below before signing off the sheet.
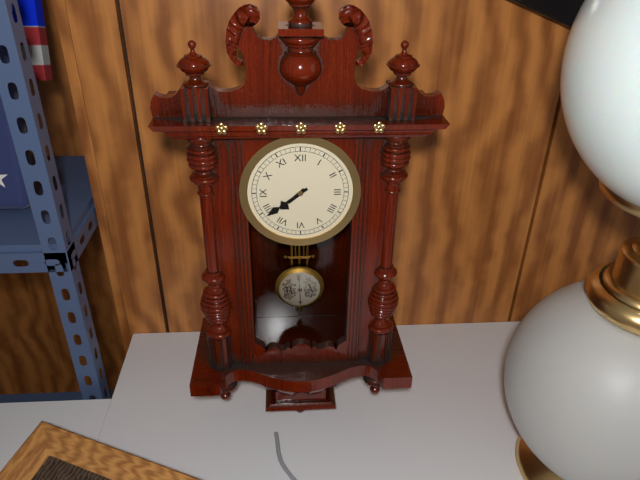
7:39
